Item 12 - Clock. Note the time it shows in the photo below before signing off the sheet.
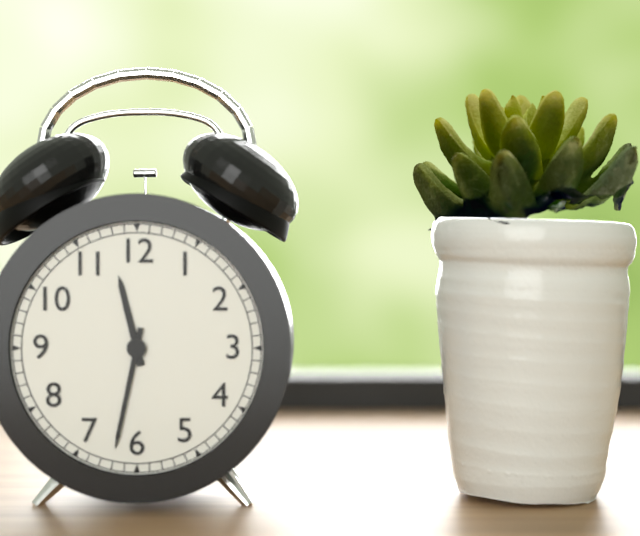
11:32
